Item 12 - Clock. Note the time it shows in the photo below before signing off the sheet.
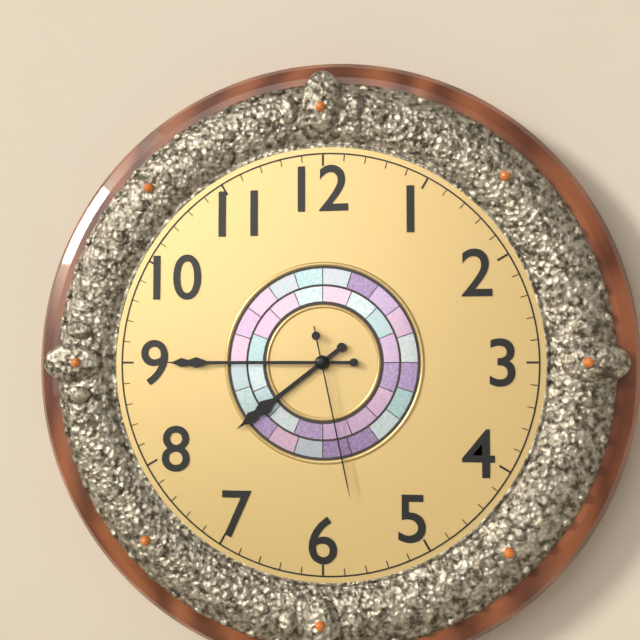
7:45:28
